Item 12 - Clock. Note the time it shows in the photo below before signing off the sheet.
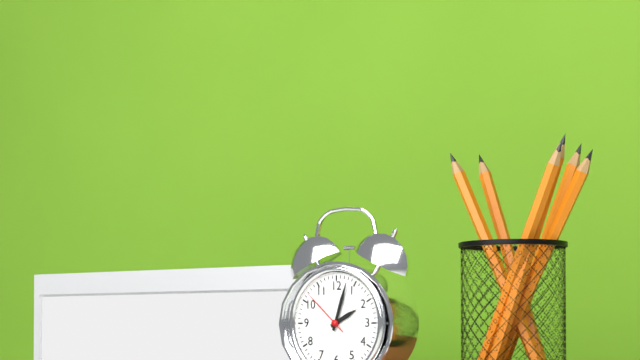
2:03:52
